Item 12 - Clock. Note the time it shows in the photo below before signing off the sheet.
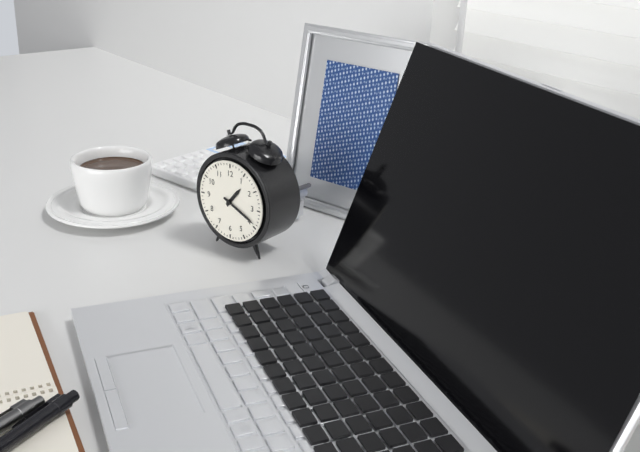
1:19
